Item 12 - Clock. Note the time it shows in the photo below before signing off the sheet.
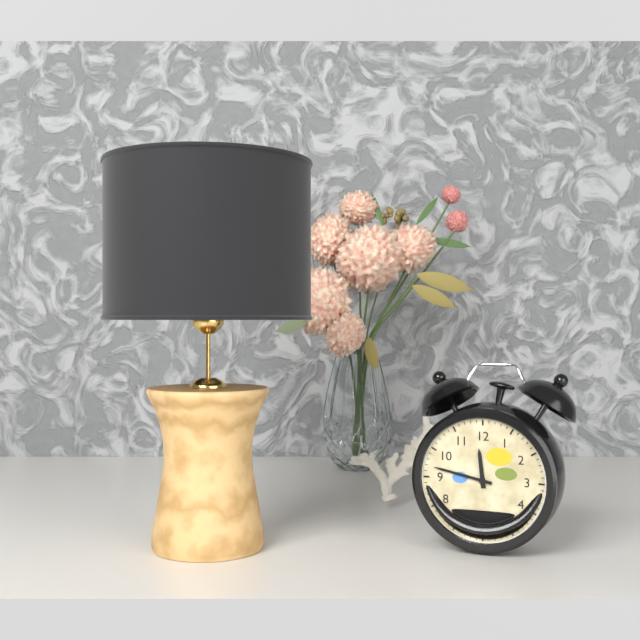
11:47
